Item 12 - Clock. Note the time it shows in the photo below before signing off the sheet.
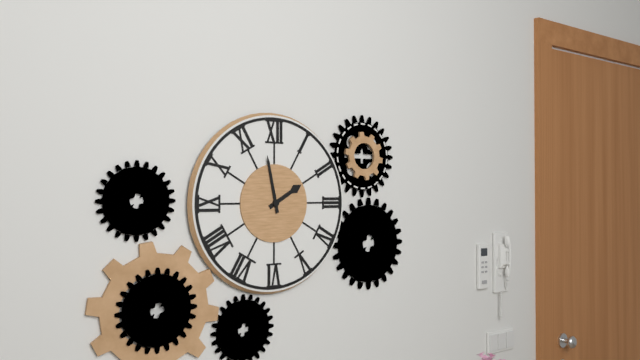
1:58
